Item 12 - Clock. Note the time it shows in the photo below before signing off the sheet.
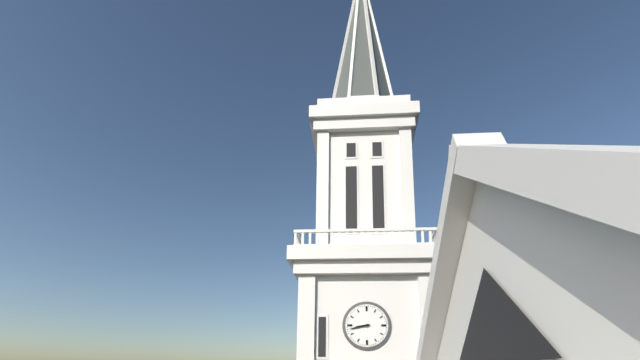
8:43
